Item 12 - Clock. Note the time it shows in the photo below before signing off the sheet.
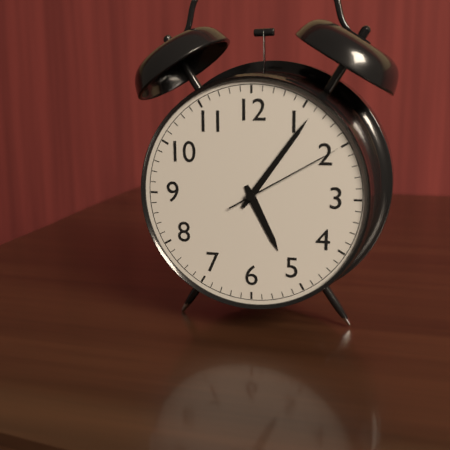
5:06:10
